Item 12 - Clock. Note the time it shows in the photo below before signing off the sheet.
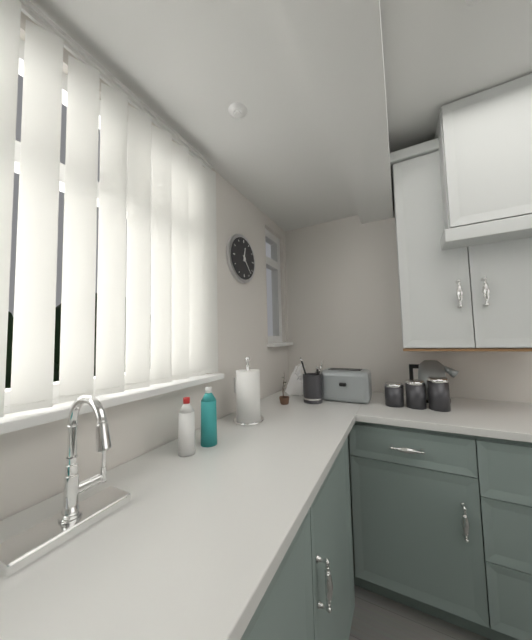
12:23
